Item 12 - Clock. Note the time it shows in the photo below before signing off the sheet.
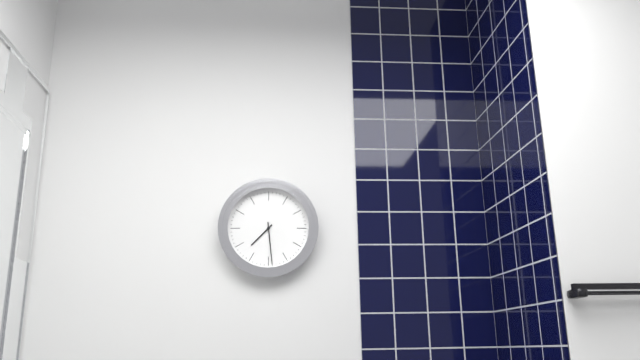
7:29
